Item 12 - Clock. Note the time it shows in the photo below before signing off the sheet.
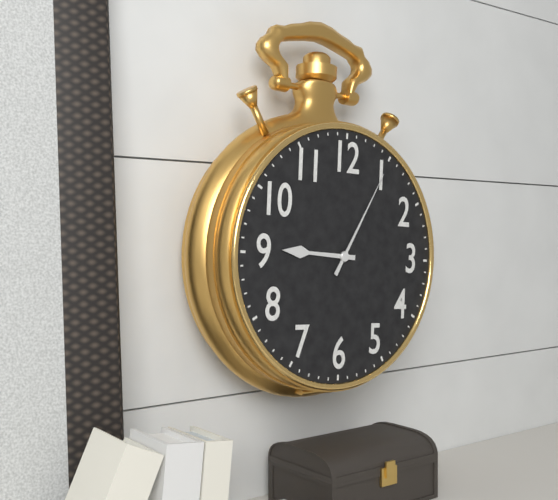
9:05
